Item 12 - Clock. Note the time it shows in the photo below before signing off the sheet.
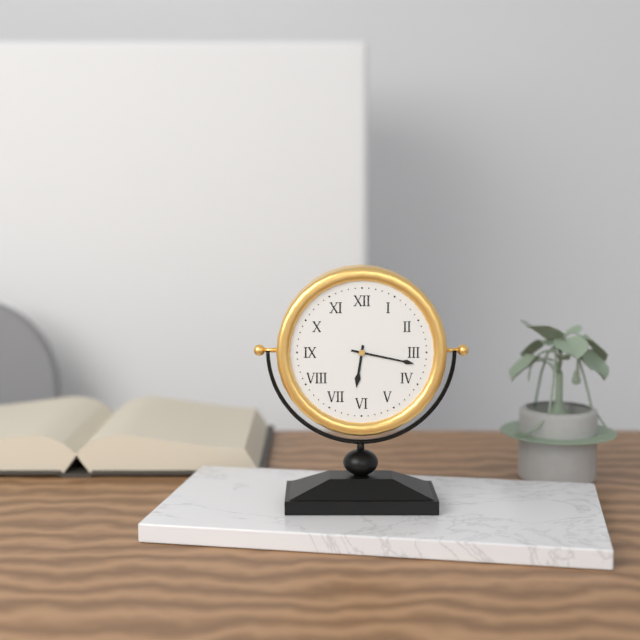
6:17
